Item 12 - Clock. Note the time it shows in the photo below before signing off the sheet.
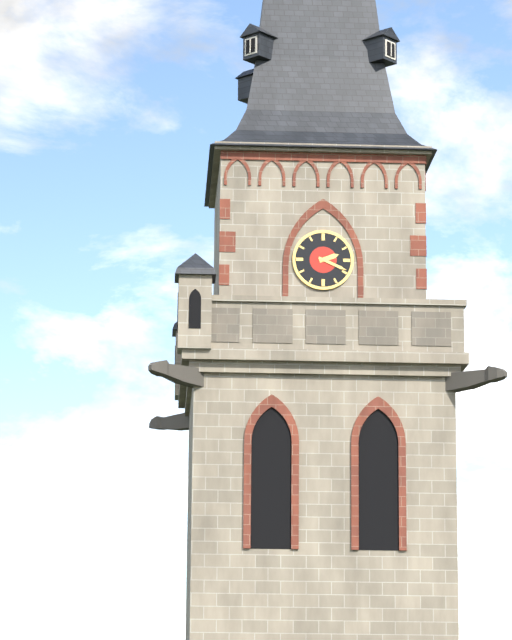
2:19
